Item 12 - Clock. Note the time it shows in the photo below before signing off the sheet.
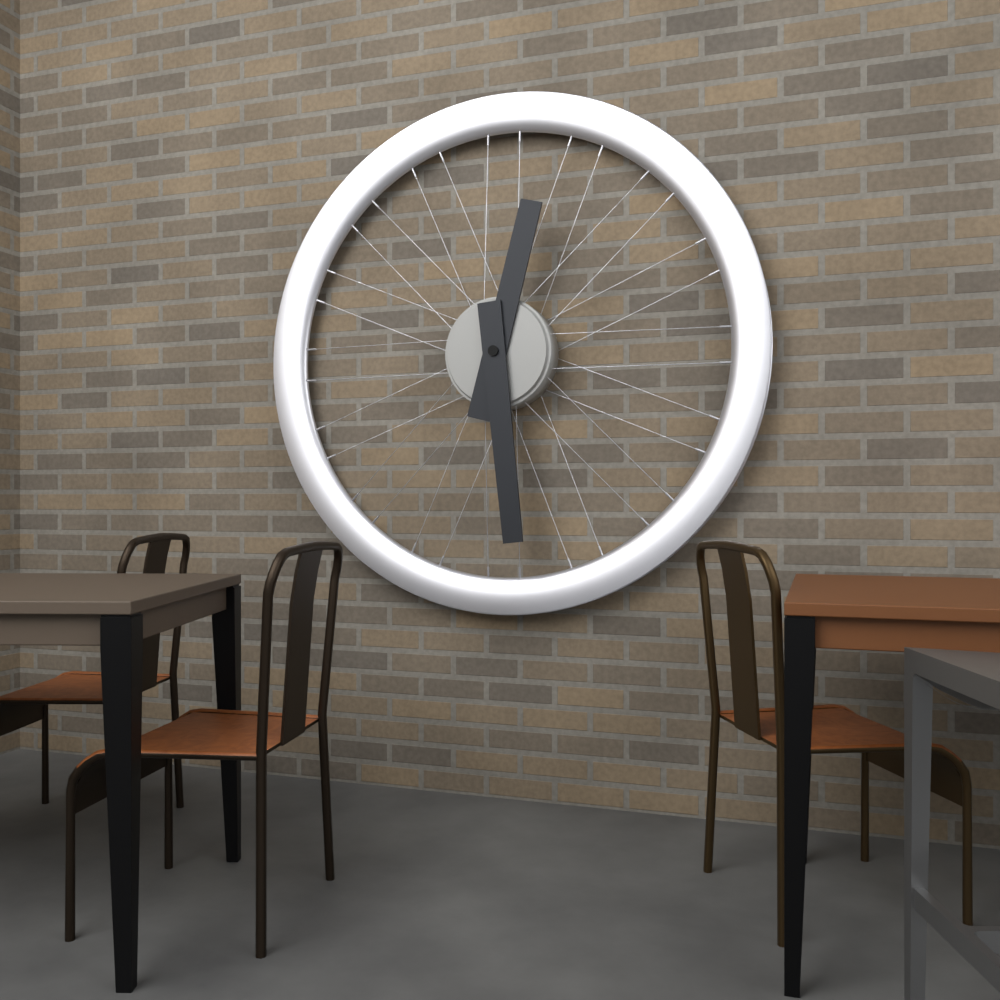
12:29
